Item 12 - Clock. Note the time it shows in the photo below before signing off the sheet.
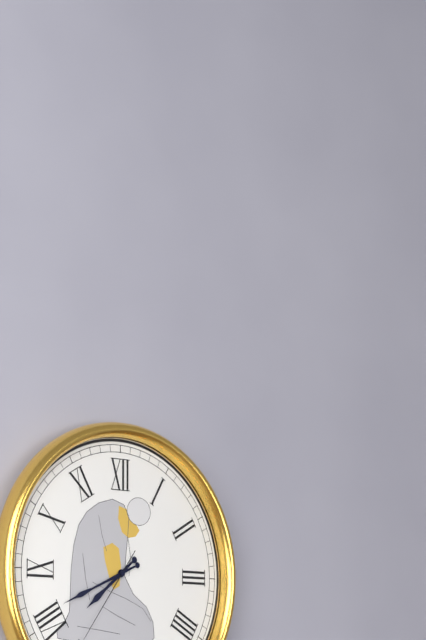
7:41:36
